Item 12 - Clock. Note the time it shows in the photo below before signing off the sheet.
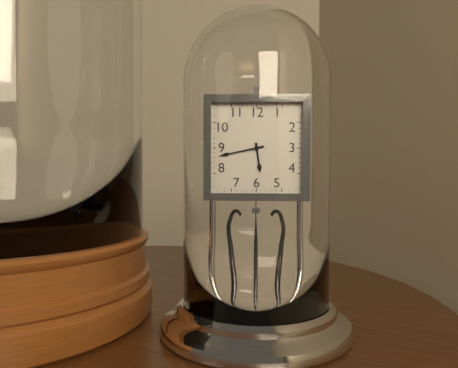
5:43
